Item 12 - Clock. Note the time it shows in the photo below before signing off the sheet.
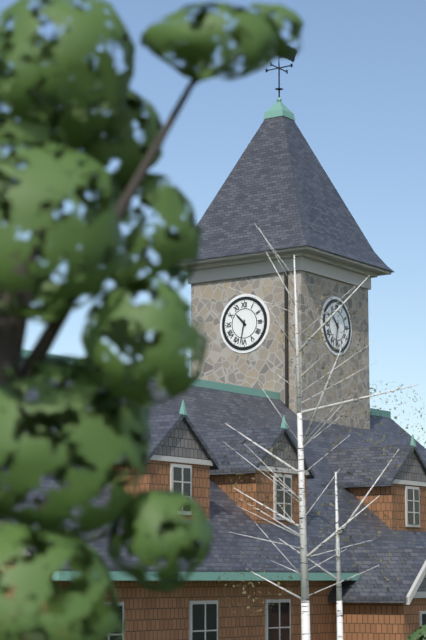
10:32
